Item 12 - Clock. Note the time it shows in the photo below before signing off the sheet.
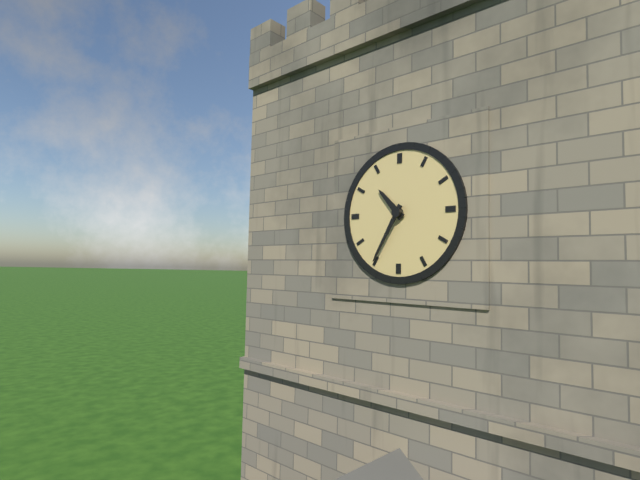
10:35
